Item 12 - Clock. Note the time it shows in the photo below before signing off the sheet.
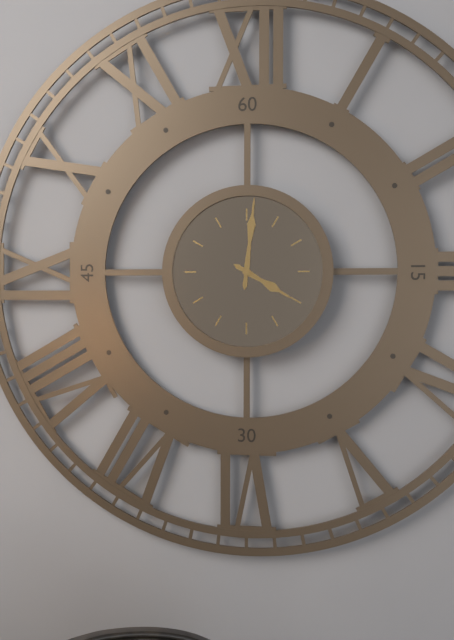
4:01
